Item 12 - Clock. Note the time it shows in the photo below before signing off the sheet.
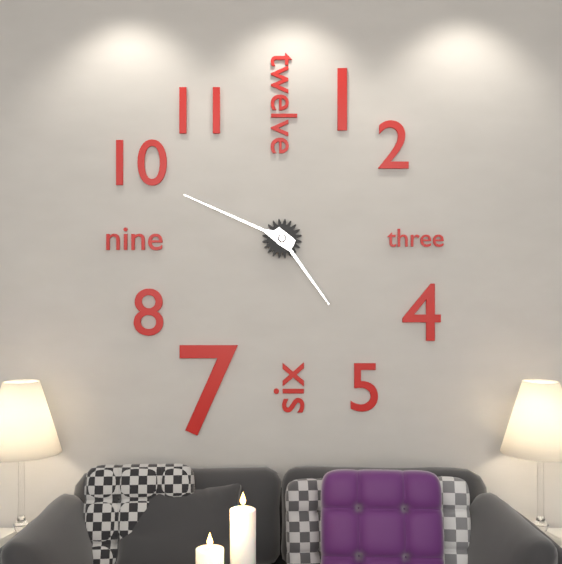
4:49
